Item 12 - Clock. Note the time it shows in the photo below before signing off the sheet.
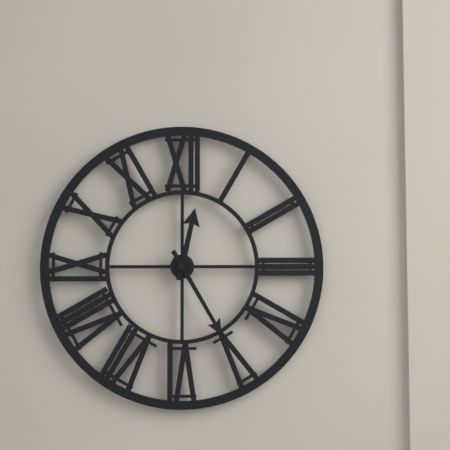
12:25
